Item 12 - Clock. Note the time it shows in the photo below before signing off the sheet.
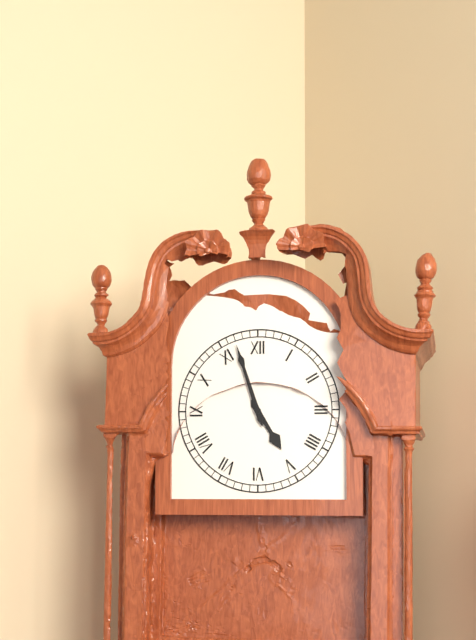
4:57
